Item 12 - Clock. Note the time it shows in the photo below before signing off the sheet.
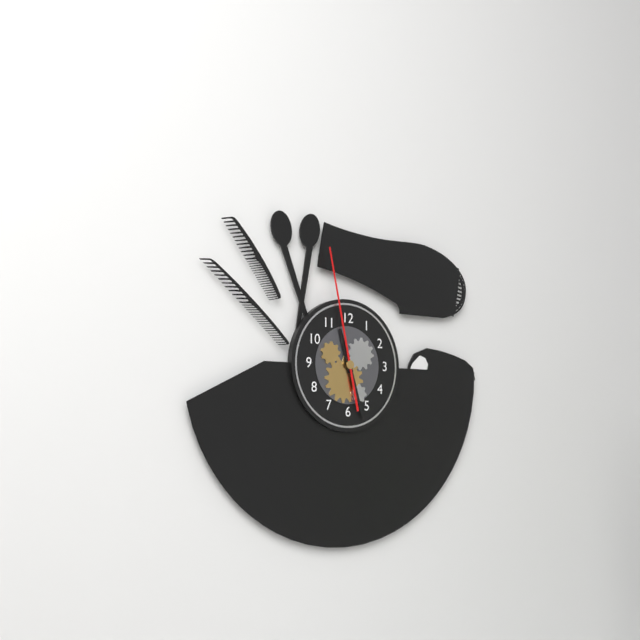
11:27:58
